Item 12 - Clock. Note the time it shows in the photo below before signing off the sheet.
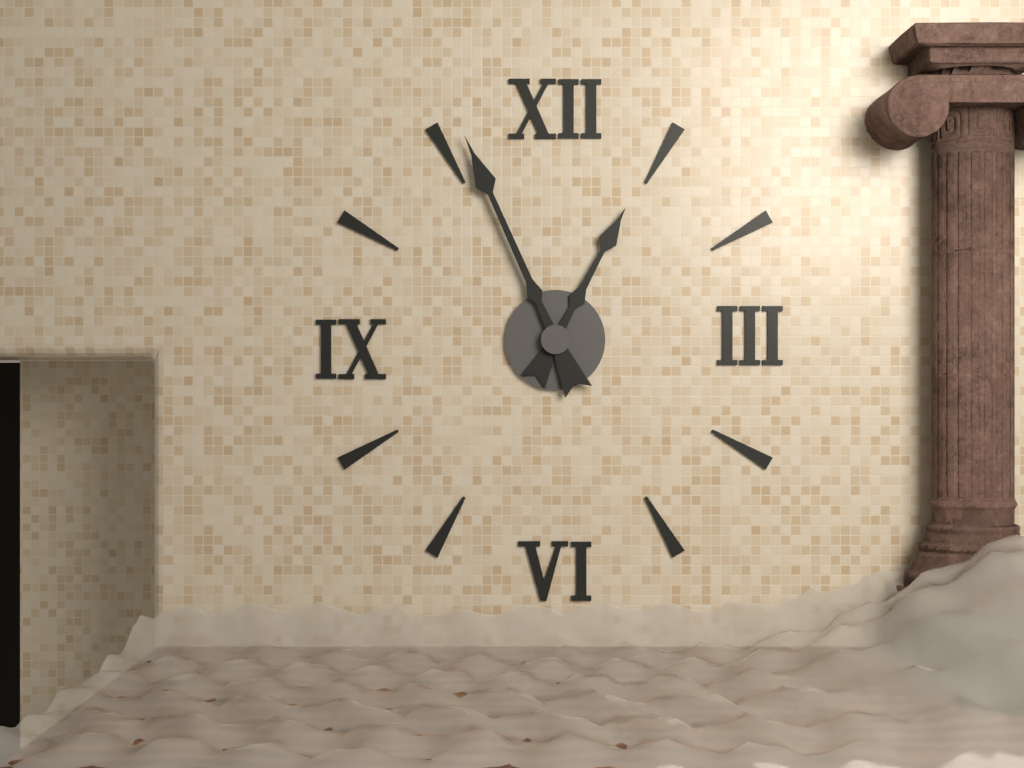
12:56
